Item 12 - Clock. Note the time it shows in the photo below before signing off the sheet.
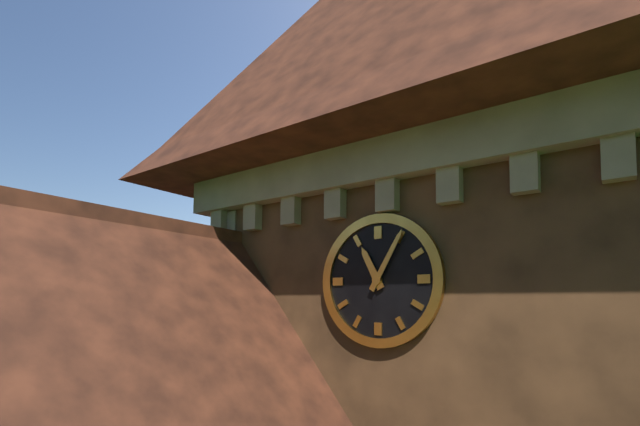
11:05
